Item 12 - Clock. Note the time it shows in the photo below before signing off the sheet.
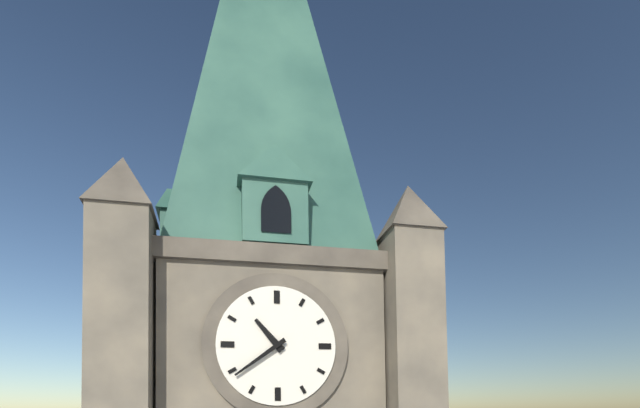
10:39
